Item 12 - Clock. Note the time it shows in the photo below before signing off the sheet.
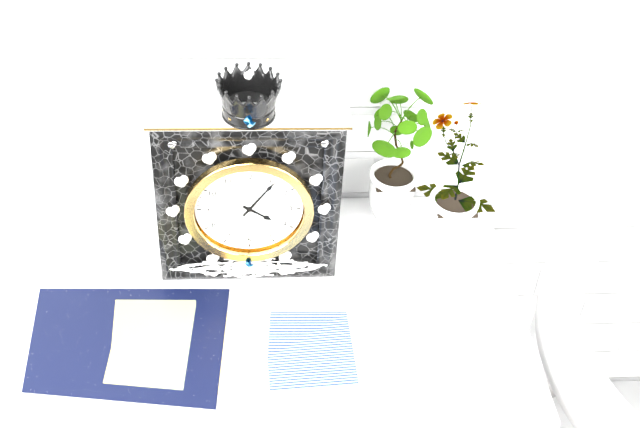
4:06
